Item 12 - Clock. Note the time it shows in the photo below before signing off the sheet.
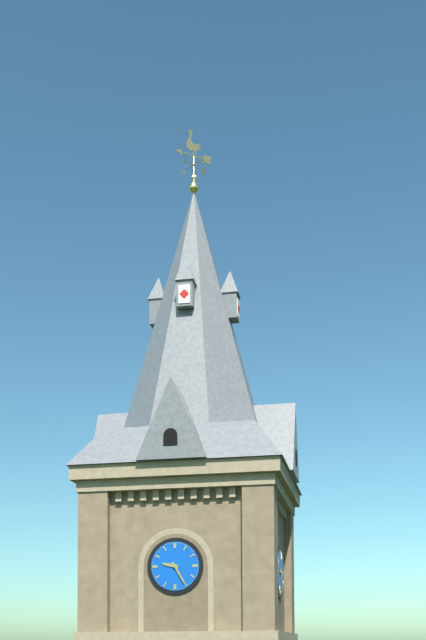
9:25
